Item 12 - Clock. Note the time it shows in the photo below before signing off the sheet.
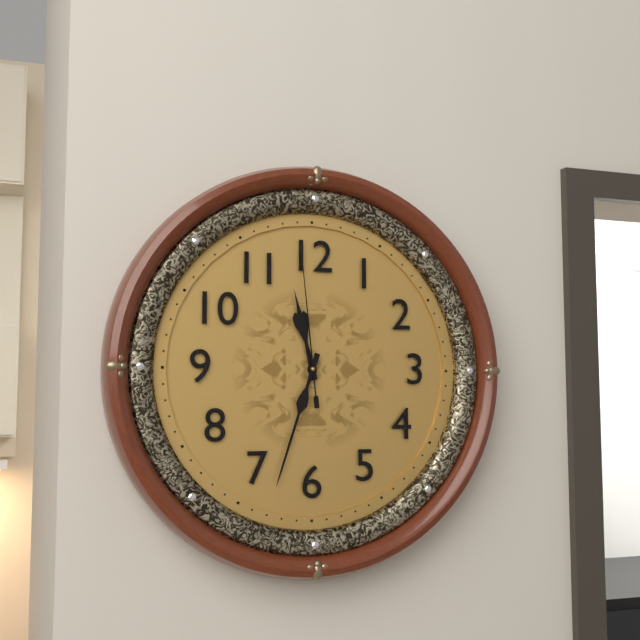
11:33:59
